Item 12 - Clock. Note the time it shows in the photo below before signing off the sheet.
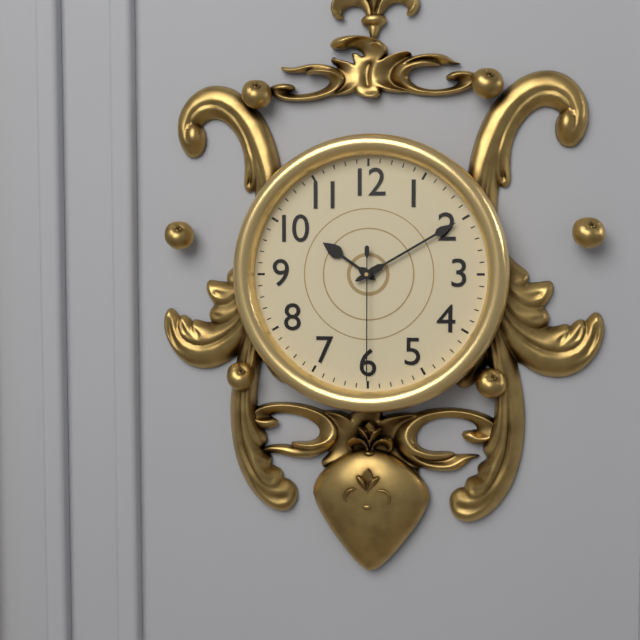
10:10:30
